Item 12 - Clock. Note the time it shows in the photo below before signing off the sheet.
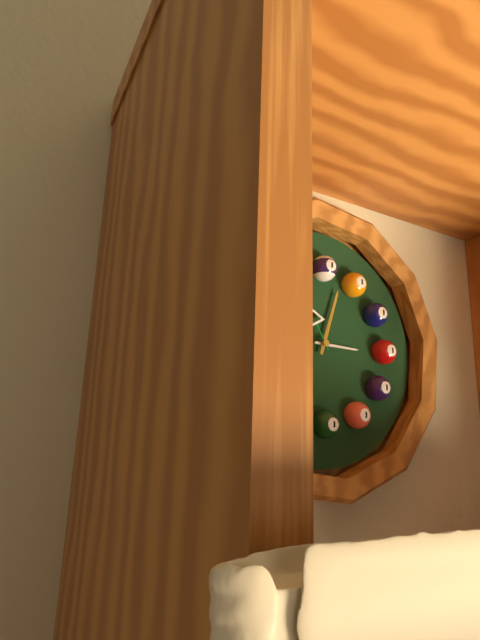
3:03:55
